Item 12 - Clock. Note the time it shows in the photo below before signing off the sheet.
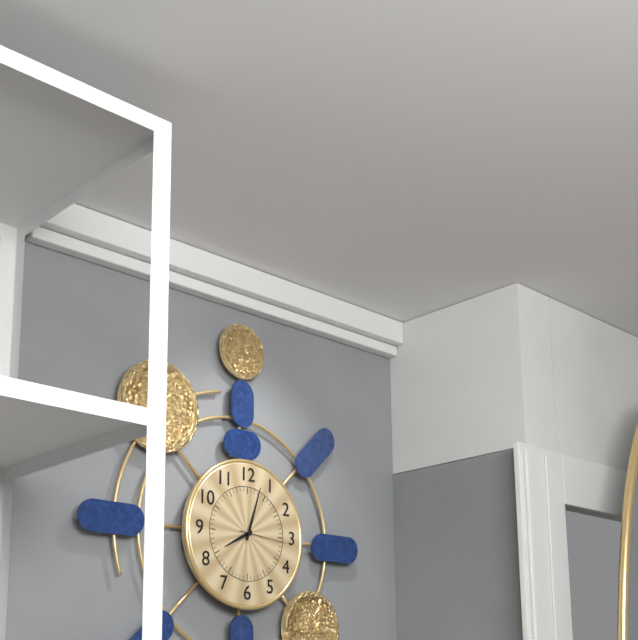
8:03:16
